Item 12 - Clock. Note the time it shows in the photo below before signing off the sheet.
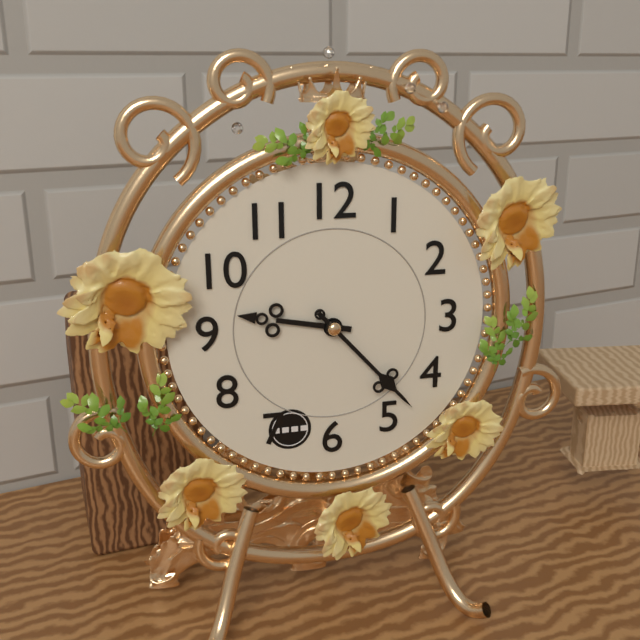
9:23
